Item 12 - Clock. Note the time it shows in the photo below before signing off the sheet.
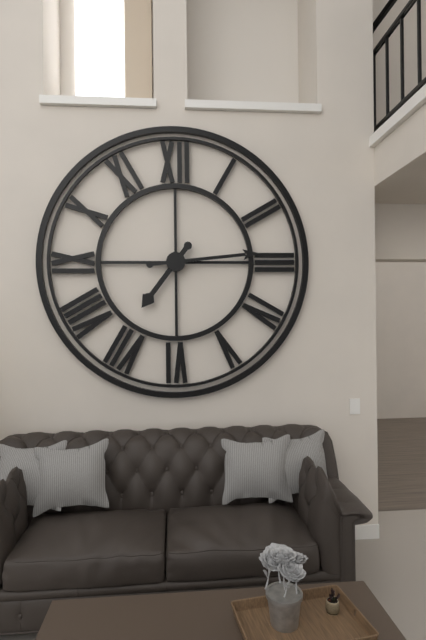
7:14
